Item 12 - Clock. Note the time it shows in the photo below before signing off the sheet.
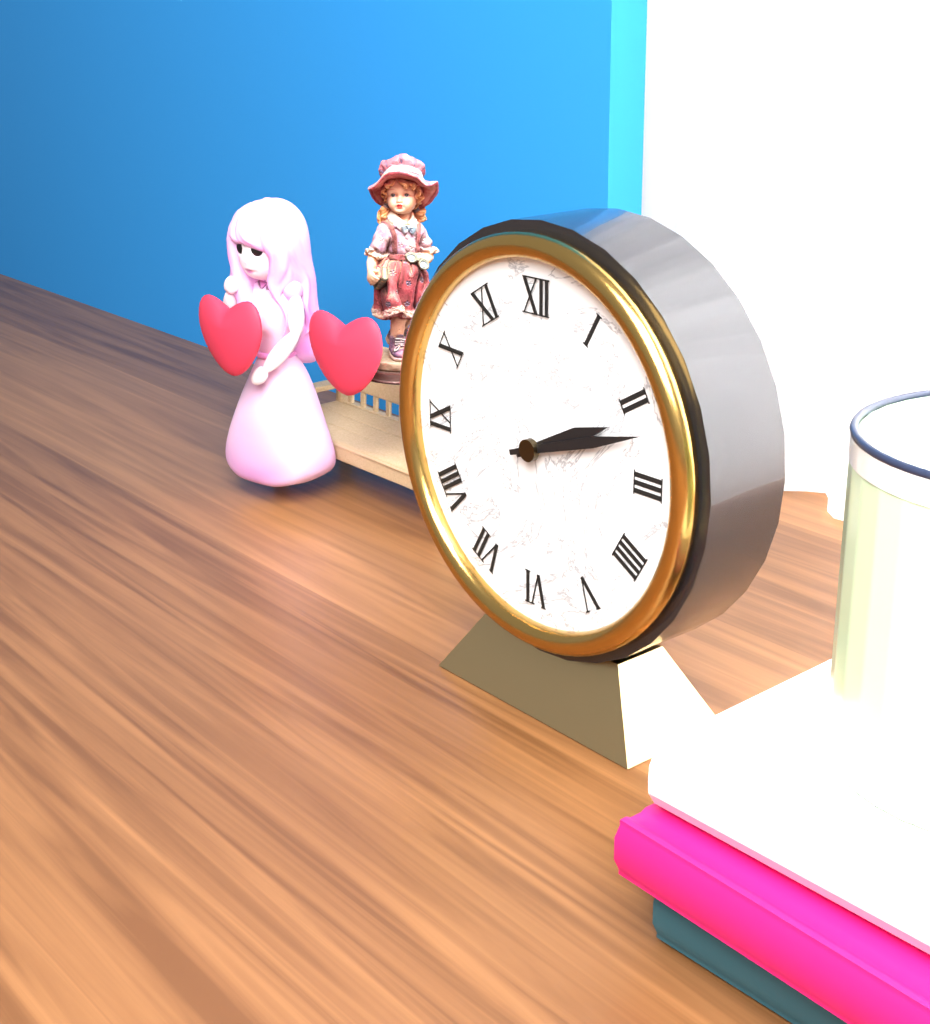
2:12
